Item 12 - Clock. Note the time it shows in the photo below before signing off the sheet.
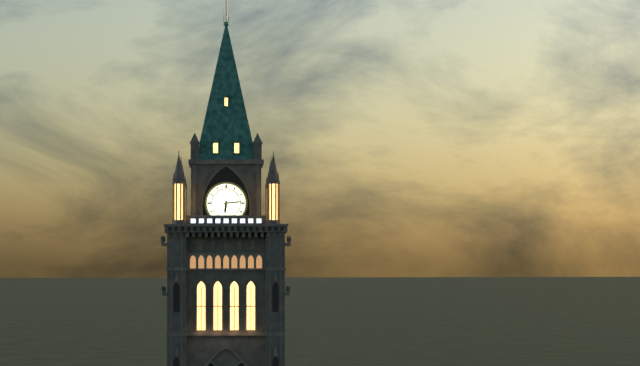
6:14
